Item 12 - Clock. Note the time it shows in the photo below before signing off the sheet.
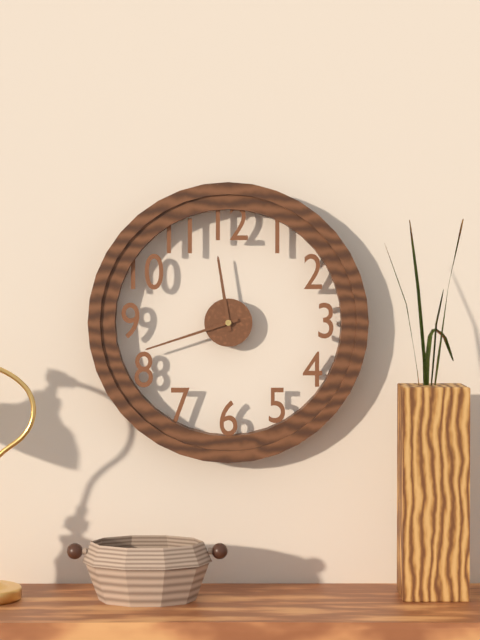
11:42
